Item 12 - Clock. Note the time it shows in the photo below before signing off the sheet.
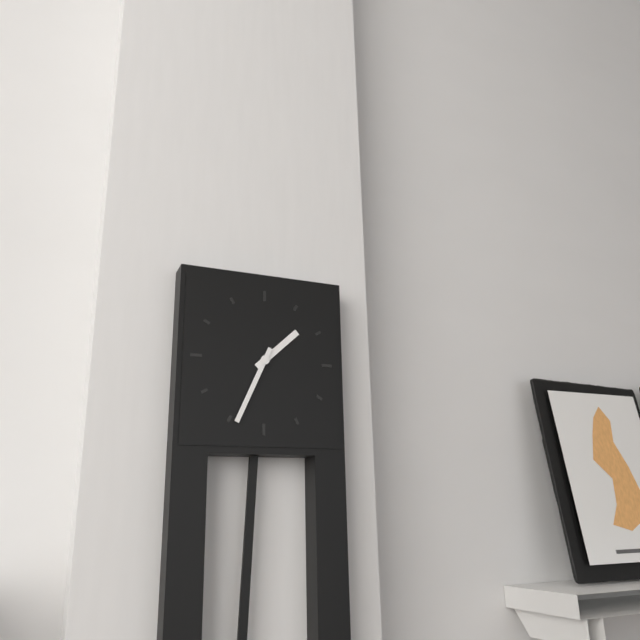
1:34
